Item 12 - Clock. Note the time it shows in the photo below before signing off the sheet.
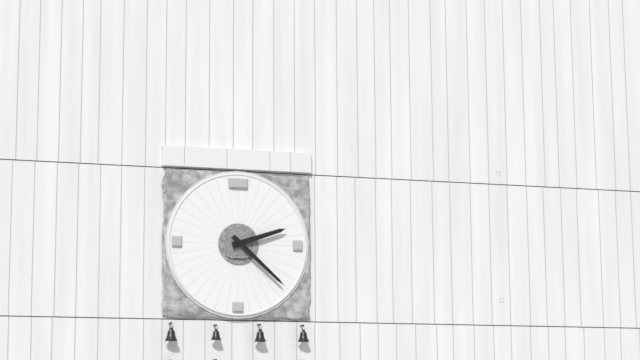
2:22
